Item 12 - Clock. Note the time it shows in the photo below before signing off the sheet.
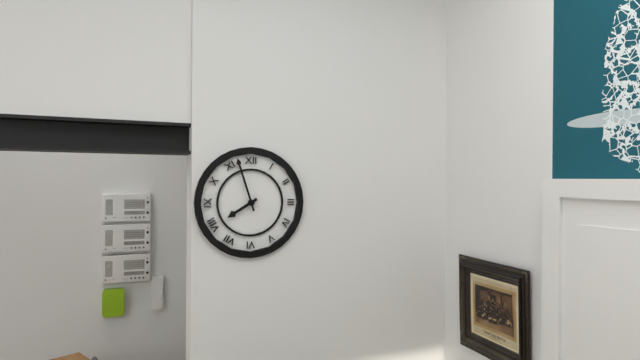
7:57
